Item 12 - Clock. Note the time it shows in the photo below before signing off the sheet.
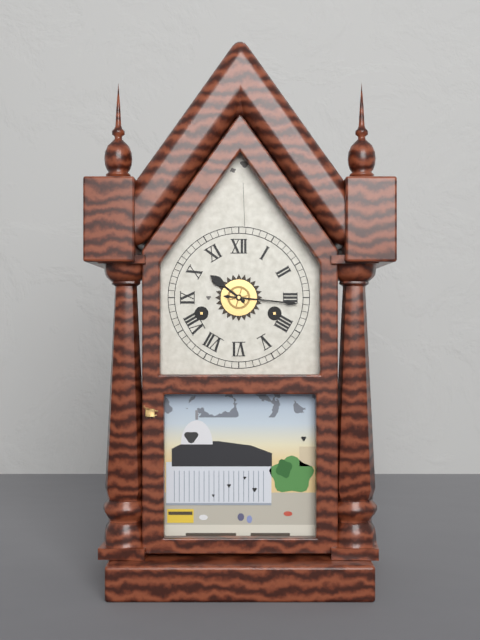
10:16
